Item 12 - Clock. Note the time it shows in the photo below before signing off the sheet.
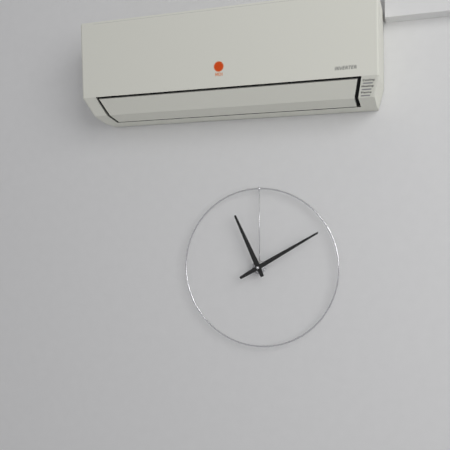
11:10
